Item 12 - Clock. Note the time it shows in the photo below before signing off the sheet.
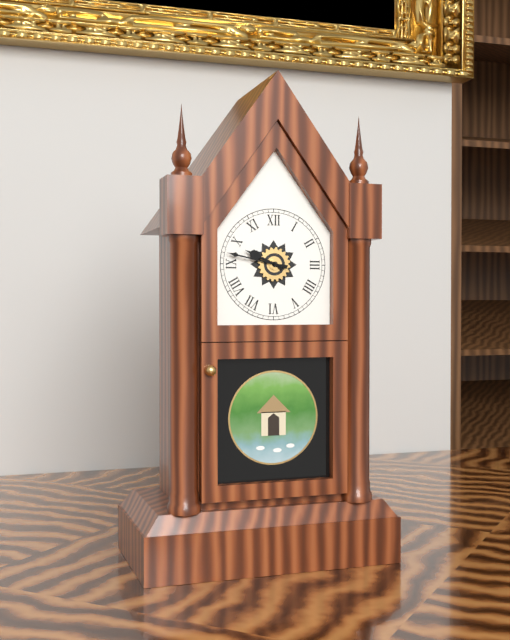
9:47
